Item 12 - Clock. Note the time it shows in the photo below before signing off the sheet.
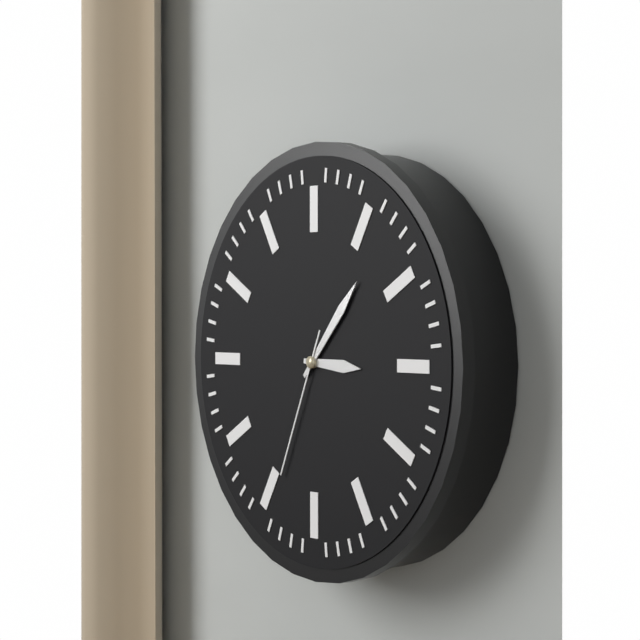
3:07:34
